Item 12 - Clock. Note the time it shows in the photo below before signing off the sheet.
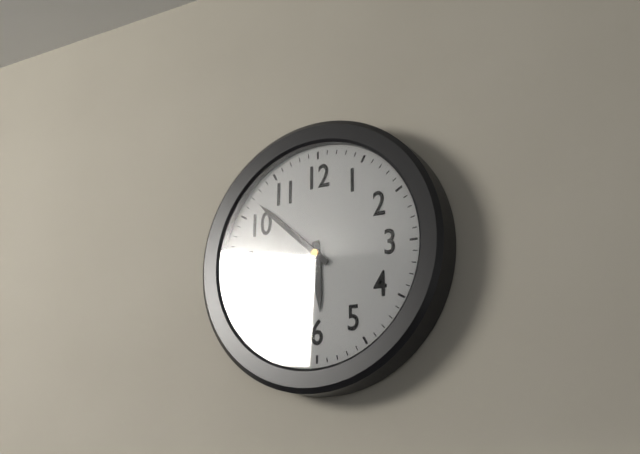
5:52
